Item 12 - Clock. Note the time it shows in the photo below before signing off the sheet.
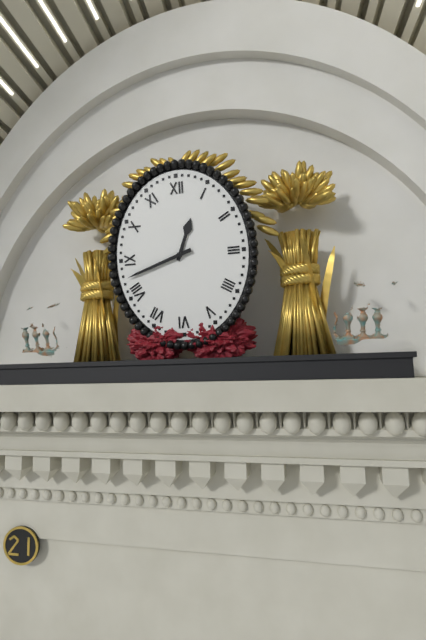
12:42
